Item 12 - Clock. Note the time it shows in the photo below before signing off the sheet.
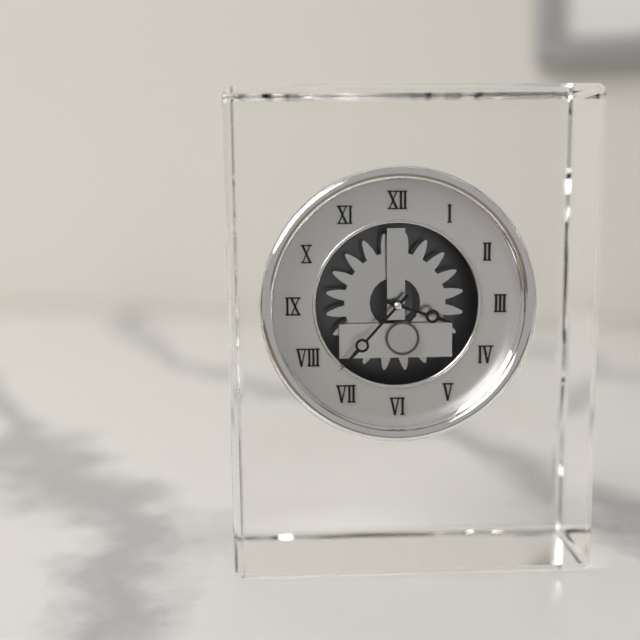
3:37
